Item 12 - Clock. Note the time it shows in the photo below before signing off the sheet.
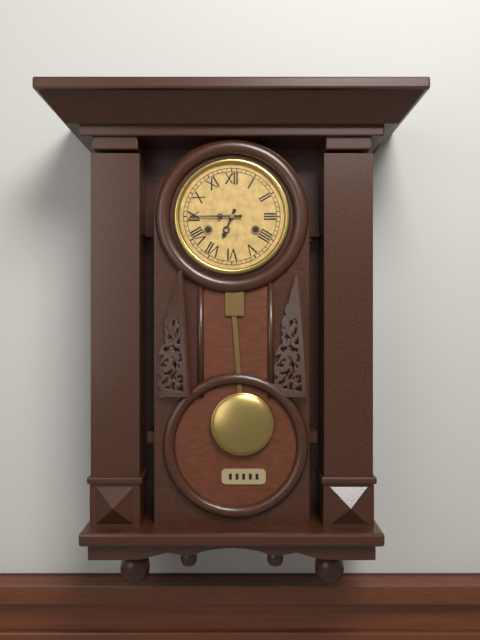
6:45
